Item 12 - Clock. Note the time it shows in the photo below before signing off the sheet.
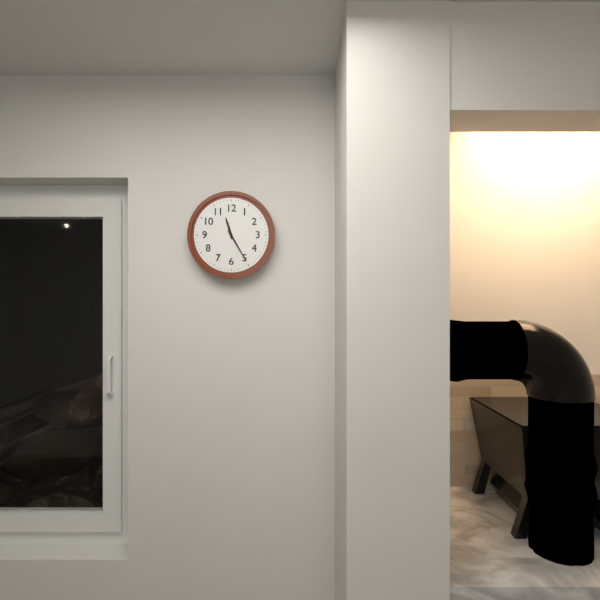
11:25
